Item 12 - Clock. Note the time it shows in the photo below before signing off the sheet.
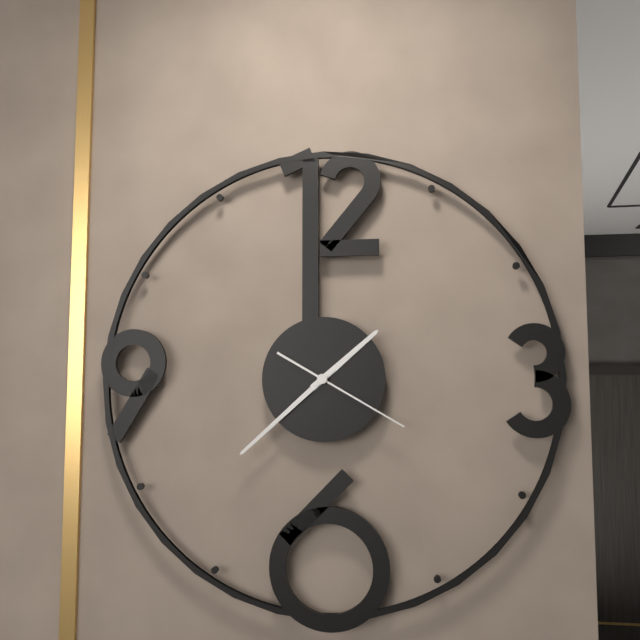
1:38:20
